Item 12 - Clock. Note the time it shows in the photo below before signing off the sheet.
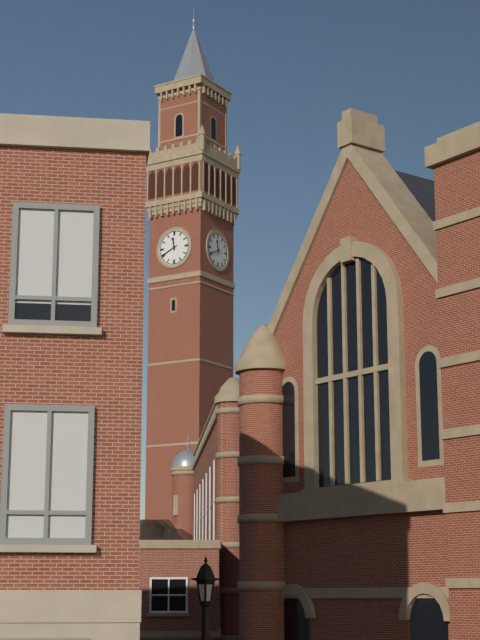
11:41
